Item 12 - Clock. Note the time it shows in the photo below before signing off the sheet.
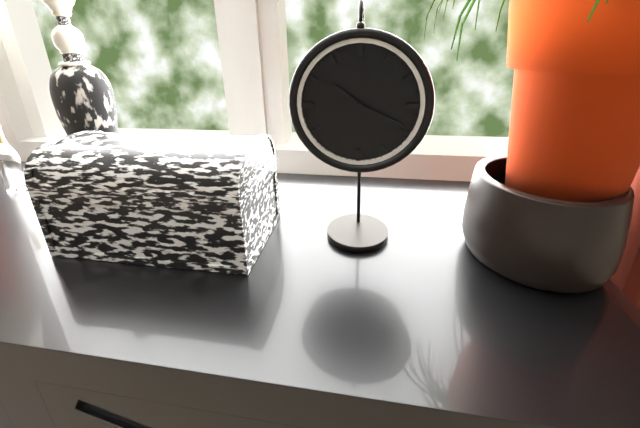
10:19
